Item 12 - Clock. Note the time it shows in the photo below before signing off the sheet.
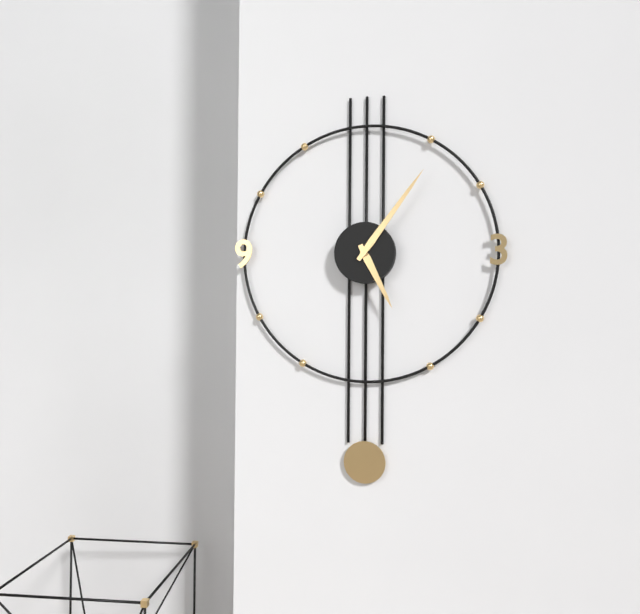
5:06
